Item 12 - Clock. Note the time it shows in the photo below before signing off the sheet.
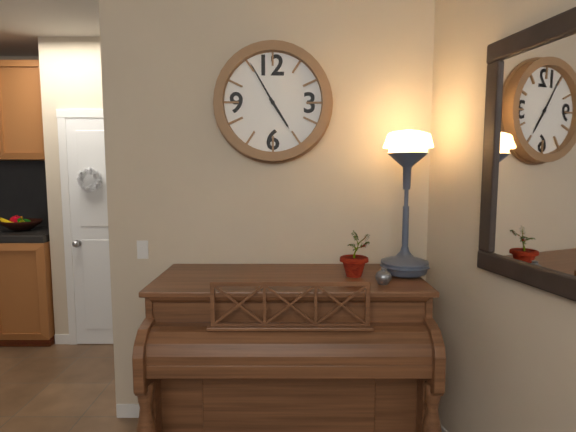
4:55
